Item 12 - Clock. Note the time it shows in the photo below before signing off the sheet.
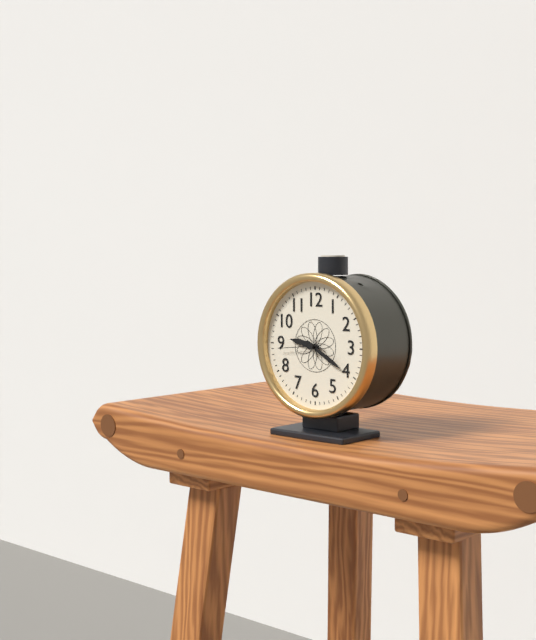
9:20
